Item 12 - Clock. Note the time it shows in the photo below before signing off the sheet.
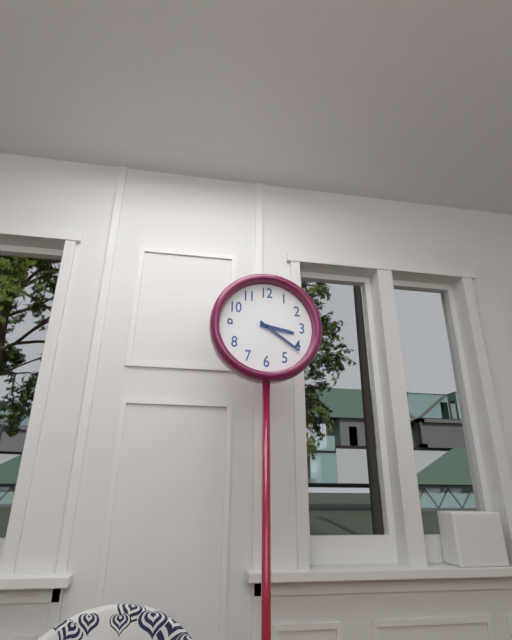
3:21
